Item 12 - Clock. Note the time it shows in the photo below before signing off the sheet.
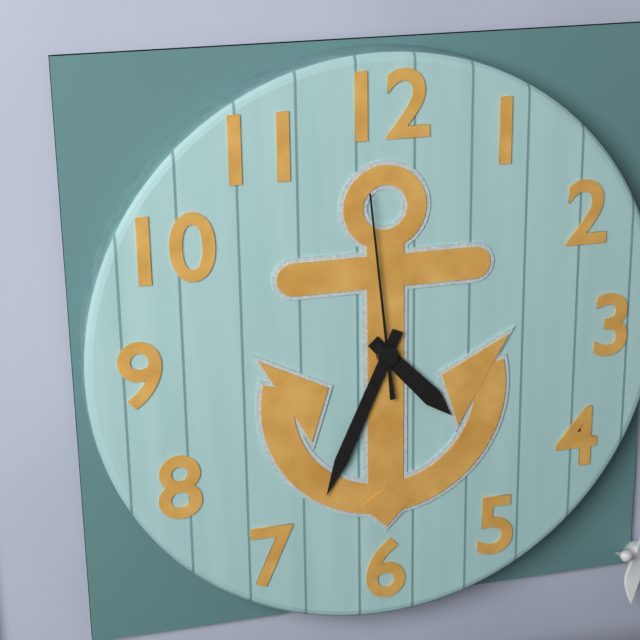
4:34:59
